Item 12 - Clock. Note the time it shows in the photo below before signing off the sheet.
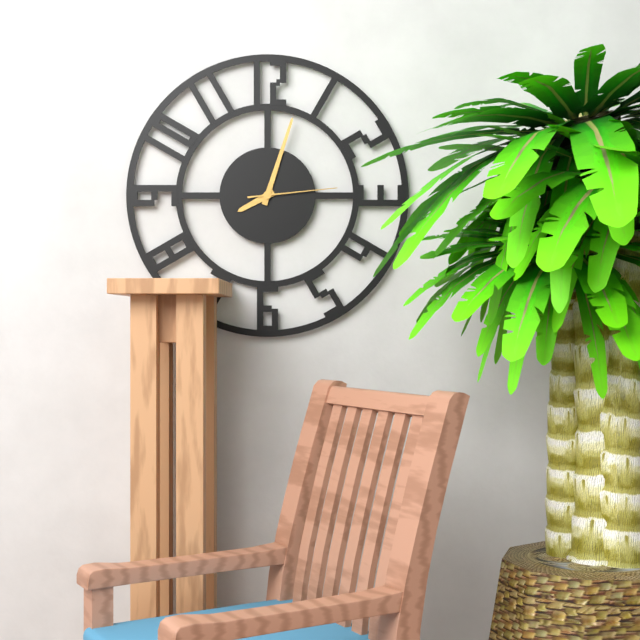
8:03:14
